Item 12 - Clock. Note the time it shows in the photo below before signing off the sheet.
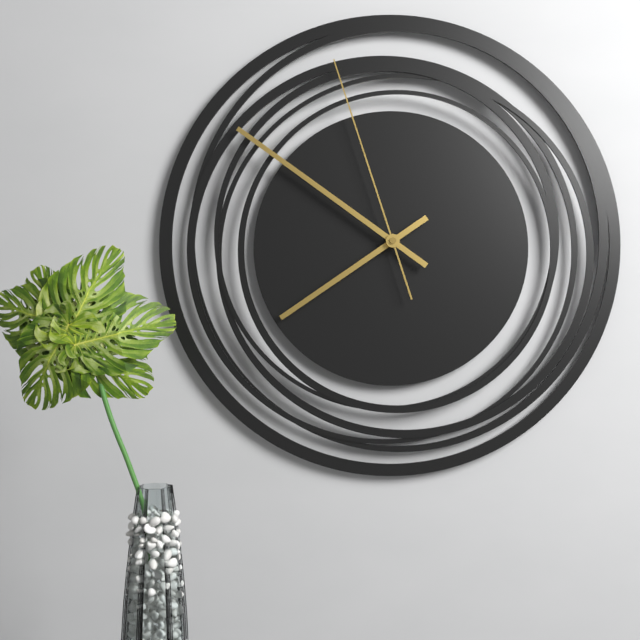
7:51:57
